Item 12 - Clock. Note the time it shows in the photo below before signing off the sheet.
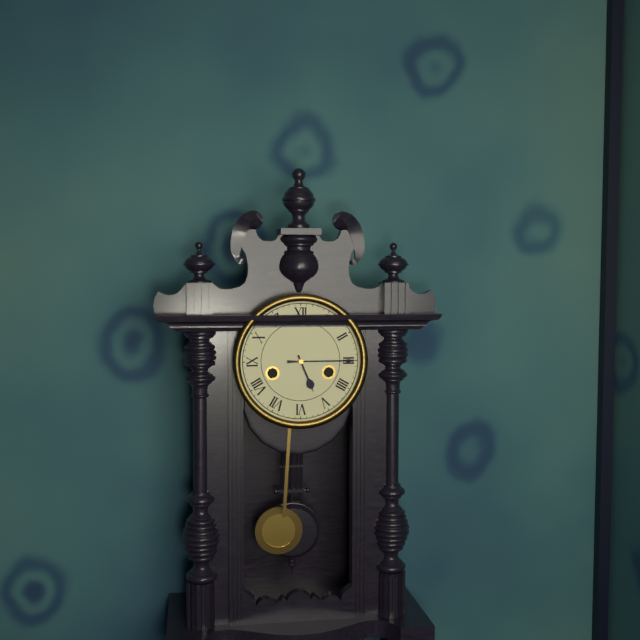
5:15
